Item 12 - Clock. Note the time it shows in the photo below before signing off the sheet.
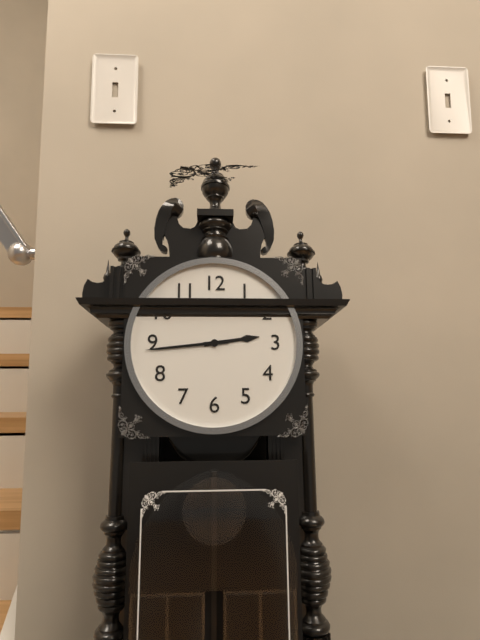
2:44
